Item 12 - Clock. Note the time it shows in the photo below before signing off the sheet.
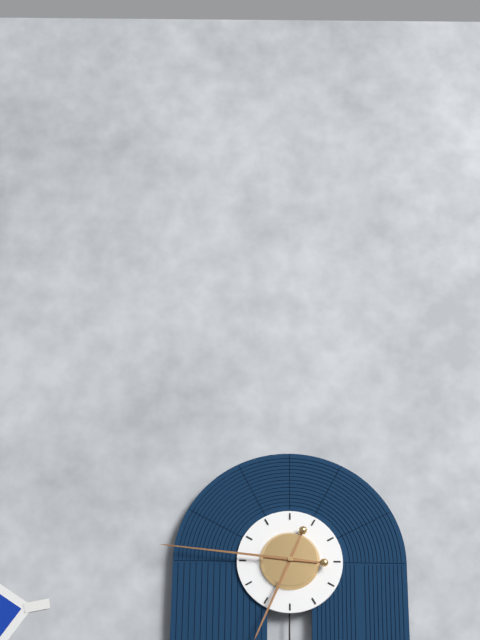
6:46
